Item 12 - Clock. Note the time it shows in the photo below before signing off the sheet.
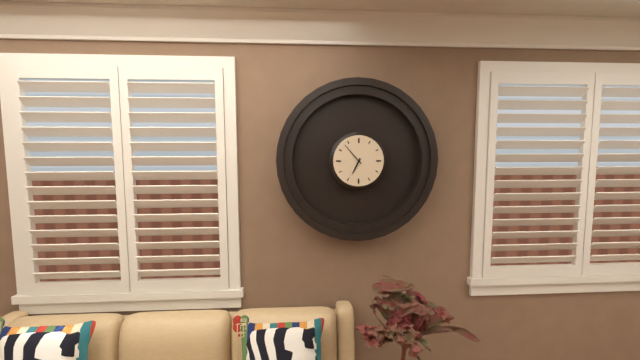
6:53
